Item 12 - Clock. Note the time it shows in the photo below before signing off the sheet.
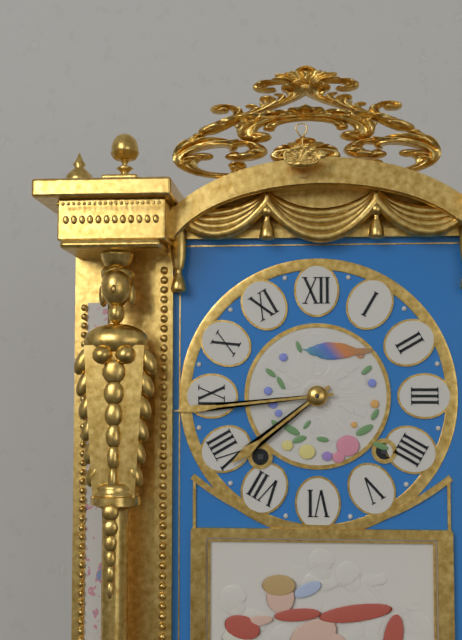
7:44
